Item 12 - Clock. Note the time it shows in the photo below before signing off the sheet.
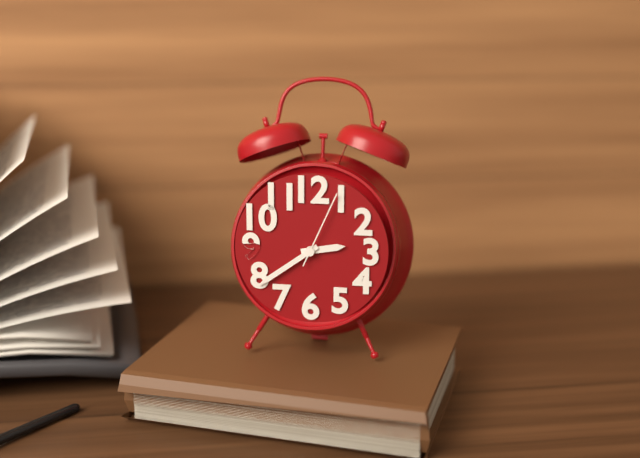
2:39:04
